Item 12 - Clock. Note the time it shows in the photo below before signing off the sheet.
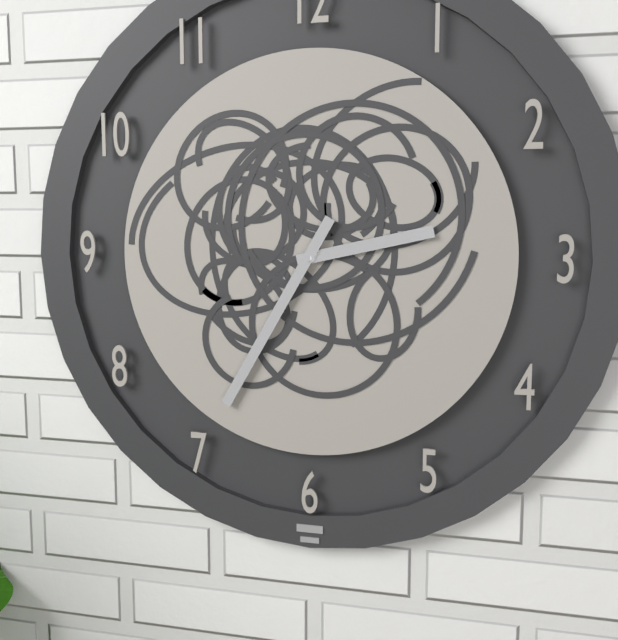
2:35
